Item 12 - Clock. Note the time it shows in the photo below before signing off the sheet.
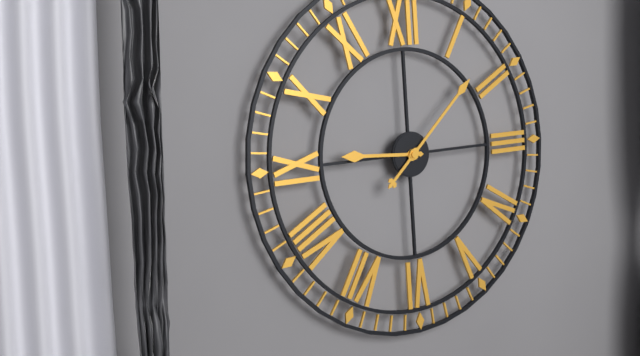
9:08
